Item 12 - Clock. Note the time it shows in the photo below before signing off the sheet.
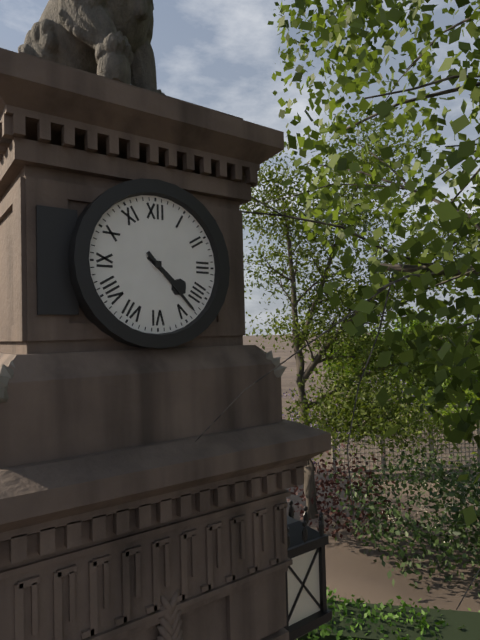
4:23
